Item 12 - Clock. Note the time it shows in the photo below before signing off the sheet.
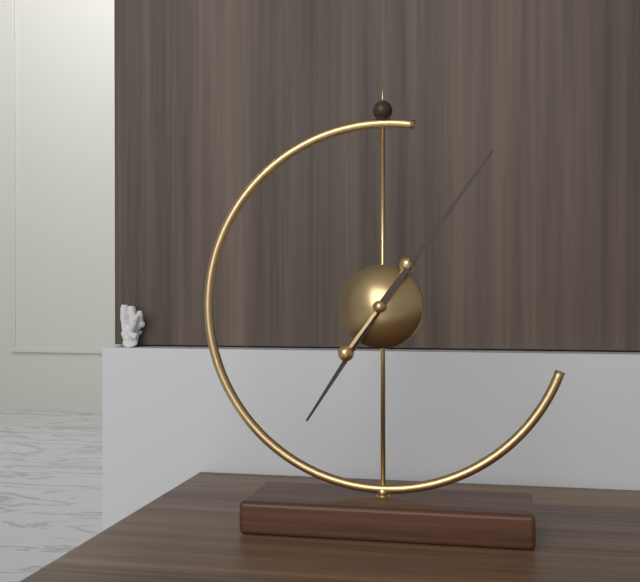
7:06
